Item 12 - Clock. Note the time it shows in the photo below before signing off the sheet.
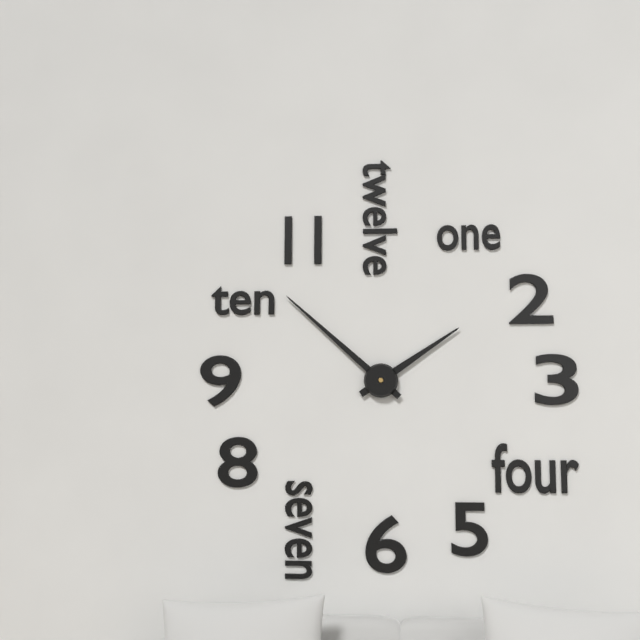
1:52
